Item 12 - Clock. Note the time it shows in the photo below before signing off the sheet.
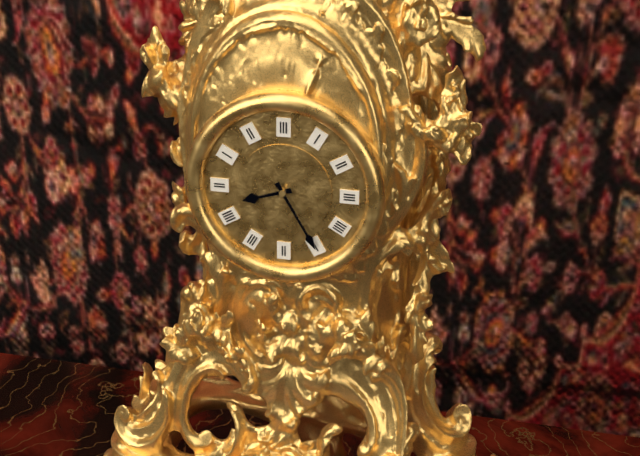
8:25
